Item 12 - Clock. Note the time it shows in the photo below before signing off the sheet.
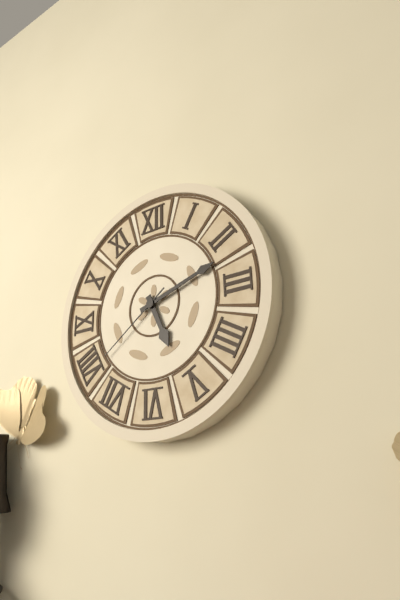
5:12:39
